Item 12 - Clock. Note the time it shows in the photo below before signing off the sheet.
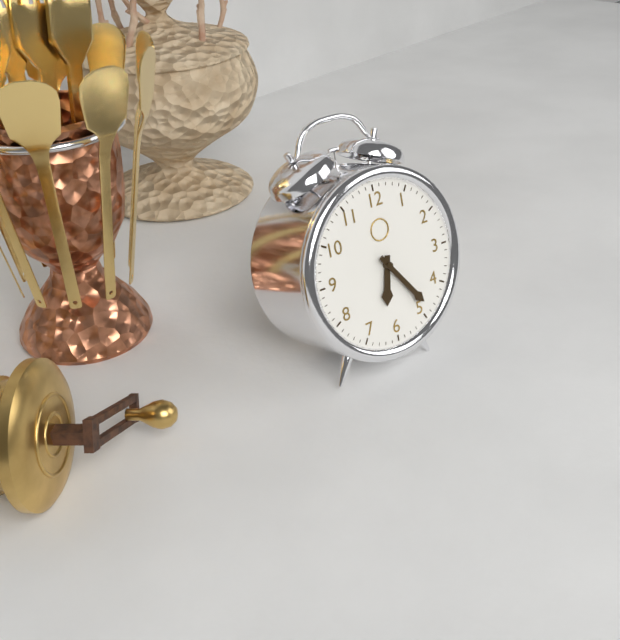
6:24
